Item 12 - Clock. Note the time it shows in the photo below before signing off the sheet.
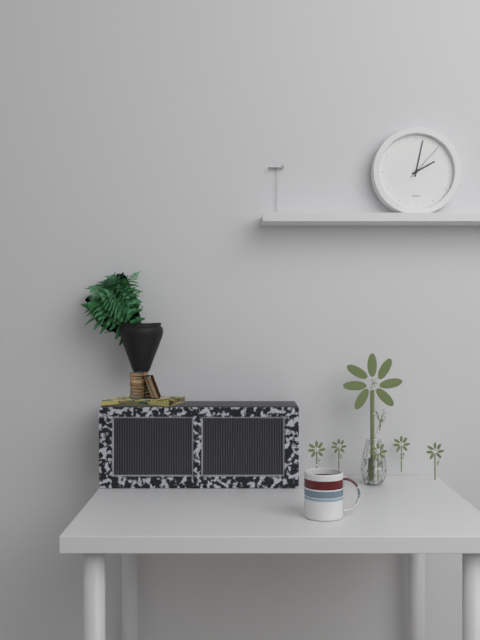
2:02
